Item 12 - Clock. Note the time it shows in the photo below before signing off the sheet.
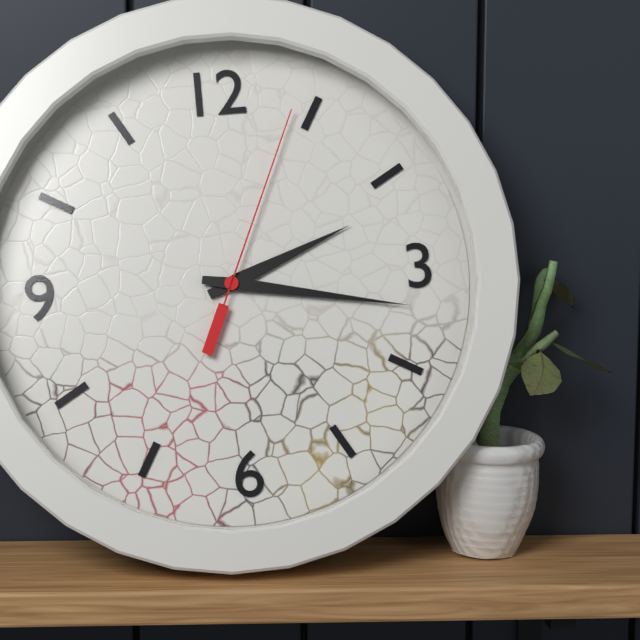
2:17:04
